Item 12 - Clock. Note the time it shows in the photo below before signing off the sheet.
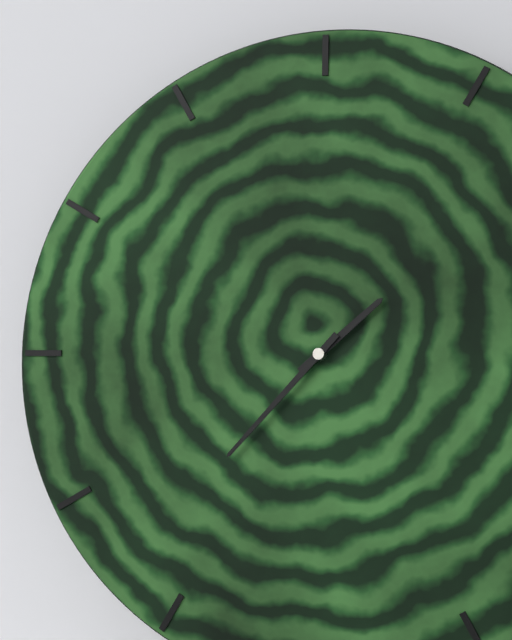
1:37
